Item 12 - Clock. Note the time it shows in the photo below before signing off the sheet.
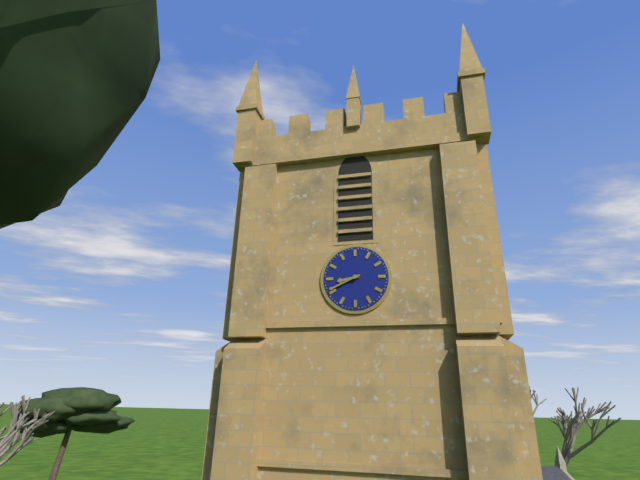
8:41
